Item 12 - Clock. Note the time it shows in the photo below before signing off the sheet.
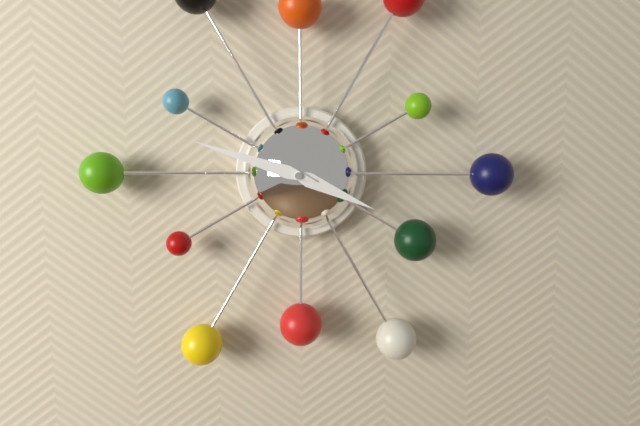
3:48
